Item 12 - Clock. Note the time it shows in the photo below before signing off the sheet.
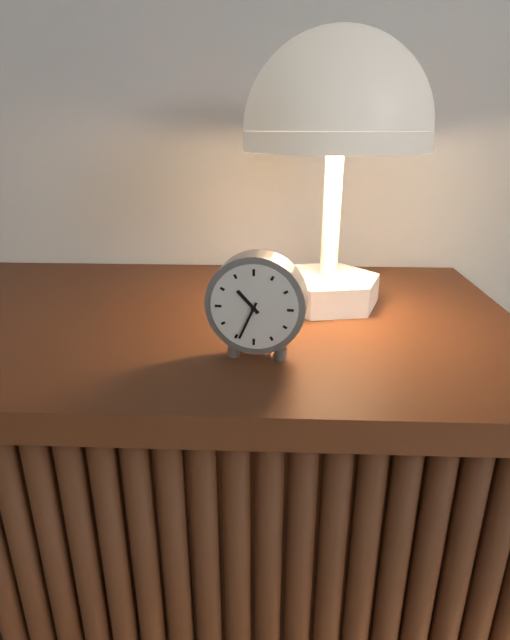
10:34
